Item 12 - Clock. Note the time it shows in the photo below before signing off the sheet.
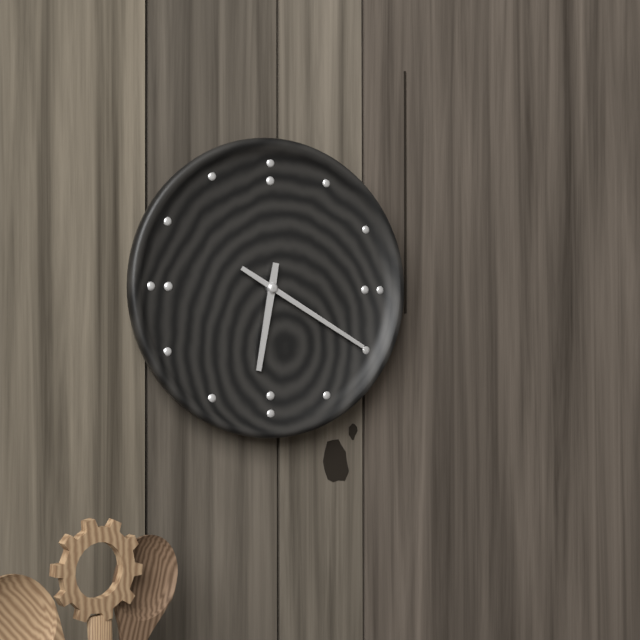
6:20
